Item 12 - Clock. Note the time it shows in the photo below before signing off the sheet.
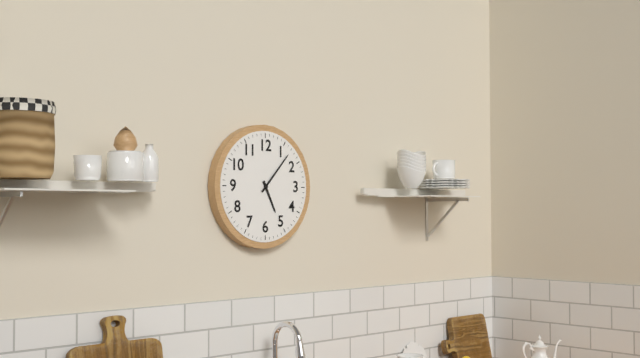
5:07
